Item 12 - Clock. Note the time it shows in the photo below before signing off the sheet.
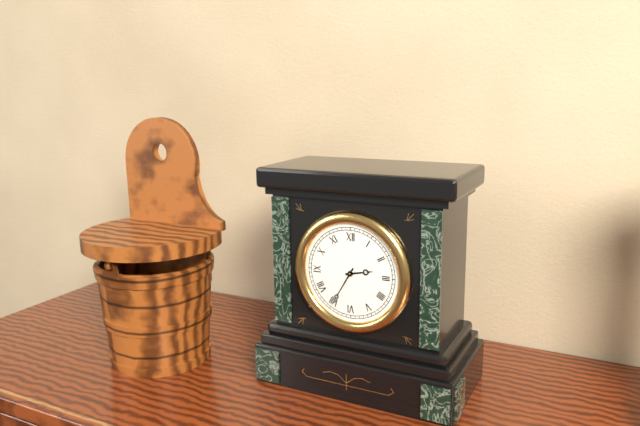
2:35
